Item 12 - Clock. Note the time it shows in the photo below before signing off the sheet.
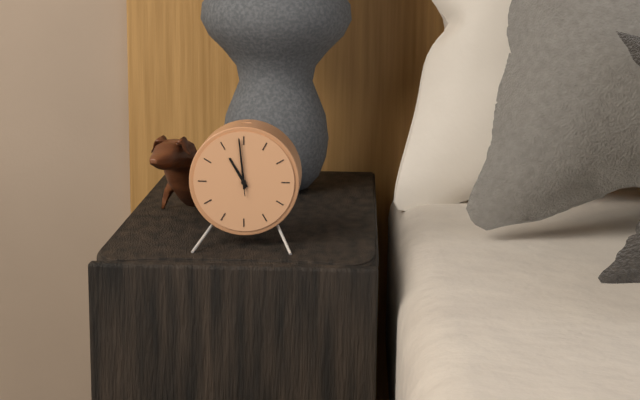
10:59:59
